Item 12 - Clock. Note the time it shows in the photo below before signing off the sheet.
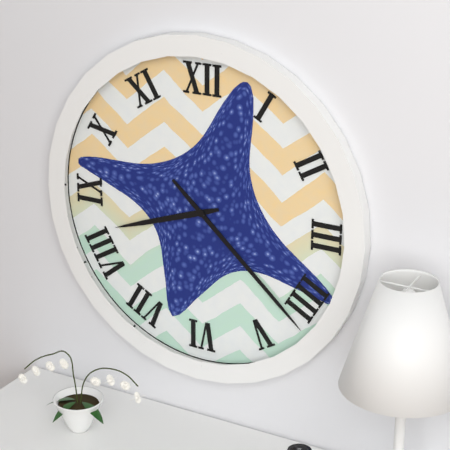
8:22
